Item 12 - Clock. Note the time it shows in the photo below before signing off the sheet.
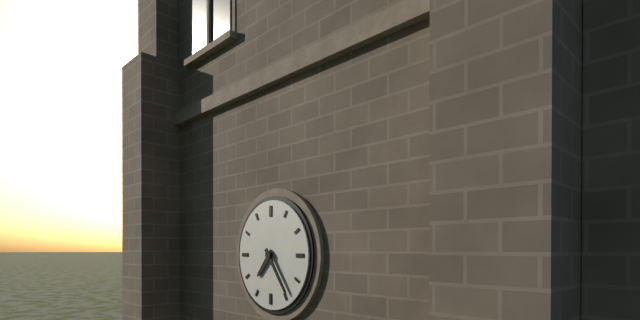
7:24
